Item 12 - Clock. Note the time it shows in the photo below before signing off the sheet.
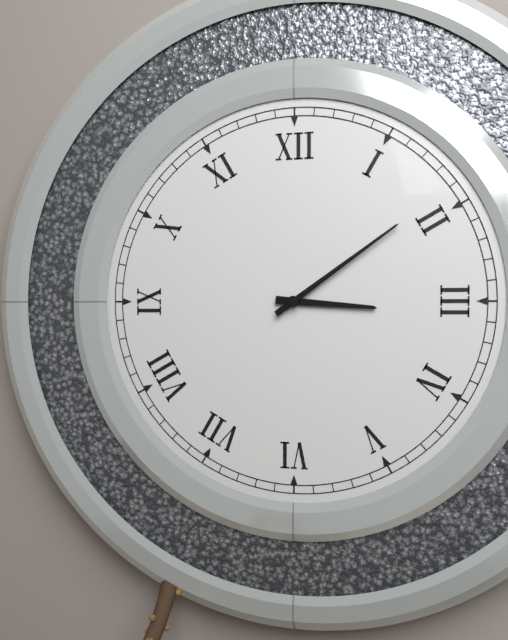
3:09
